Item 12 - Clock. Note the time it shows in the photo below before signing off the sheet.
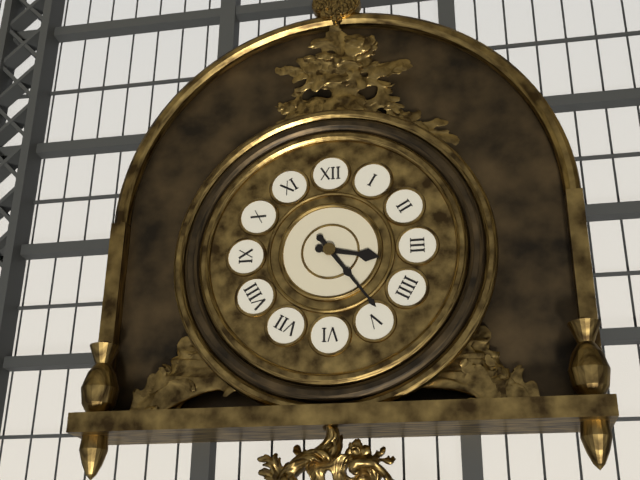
3:24
